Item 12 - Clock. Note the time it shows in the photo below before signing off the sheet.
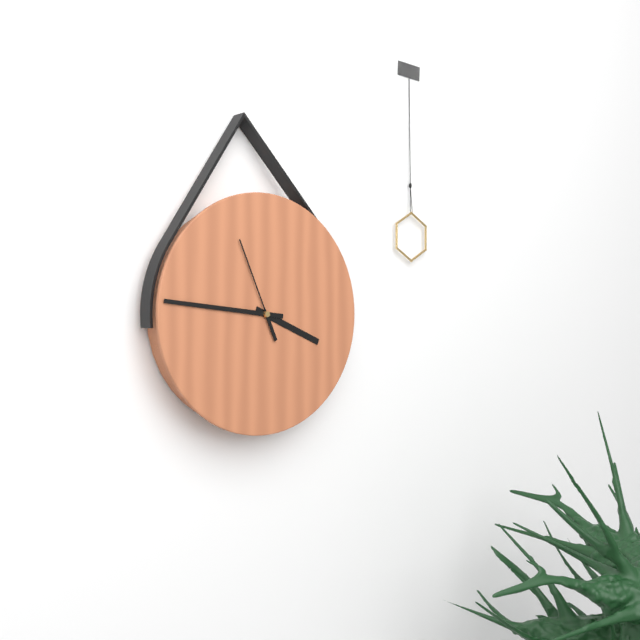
3:46:56
